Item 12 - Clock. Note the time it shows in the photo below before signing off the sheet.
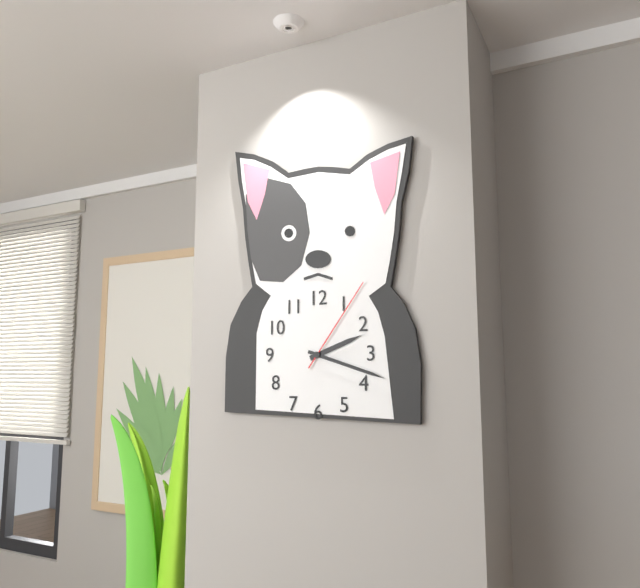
2:18:06
